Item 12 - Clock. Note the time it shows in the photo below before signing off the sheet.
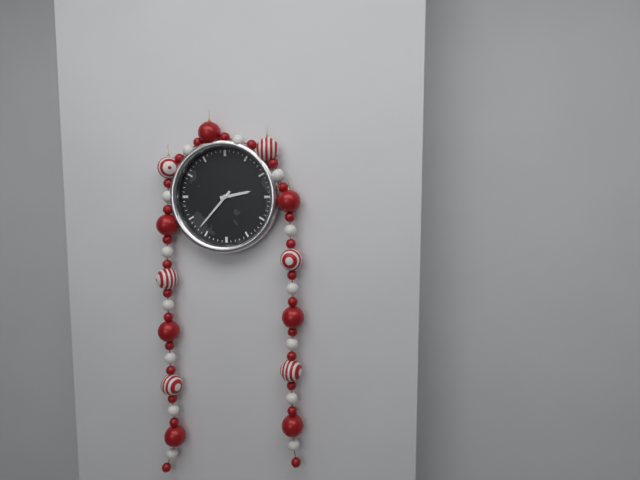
2:37
